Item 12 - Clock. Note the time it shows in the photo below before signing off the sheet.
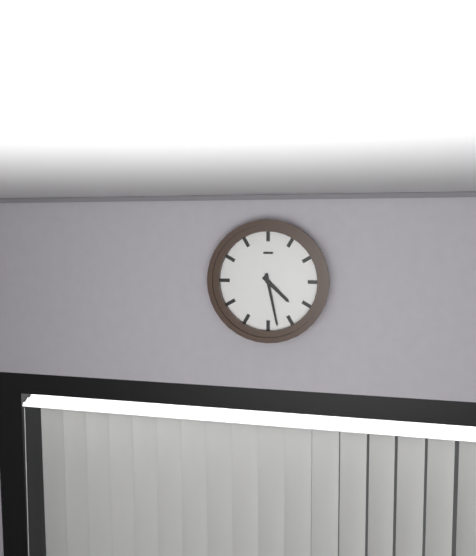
4:28
